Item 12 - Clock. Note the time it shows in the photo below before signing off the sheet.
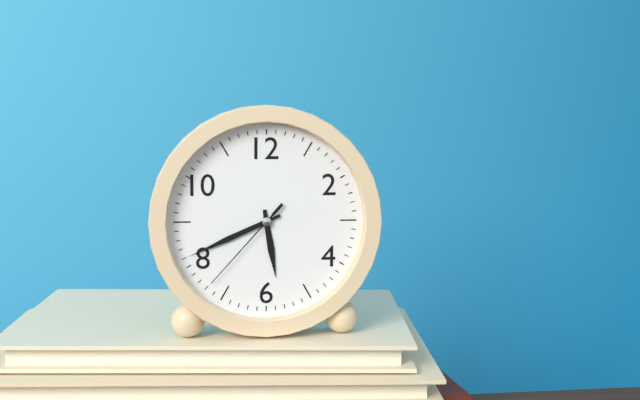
5:41:37
